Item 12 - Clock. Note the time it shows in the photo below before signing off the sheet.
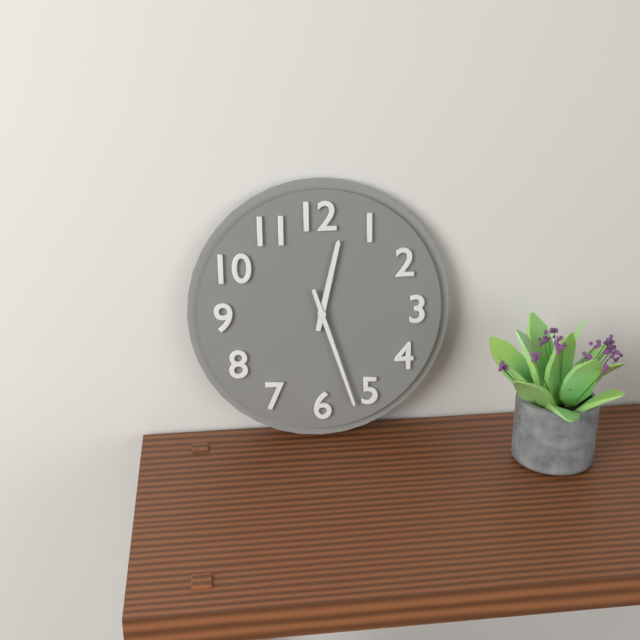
12:27
